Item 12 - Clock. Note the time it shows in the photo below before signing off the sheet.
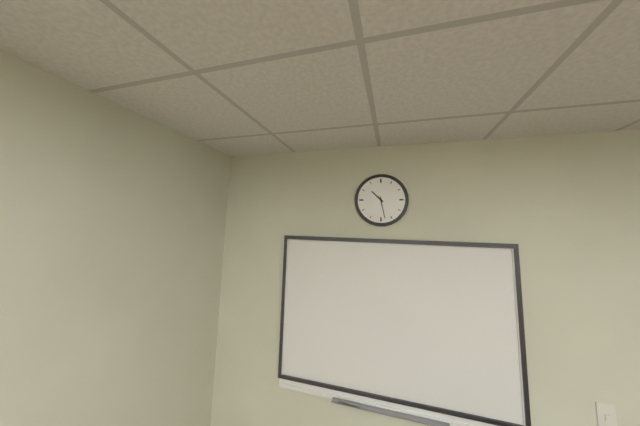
10:28
